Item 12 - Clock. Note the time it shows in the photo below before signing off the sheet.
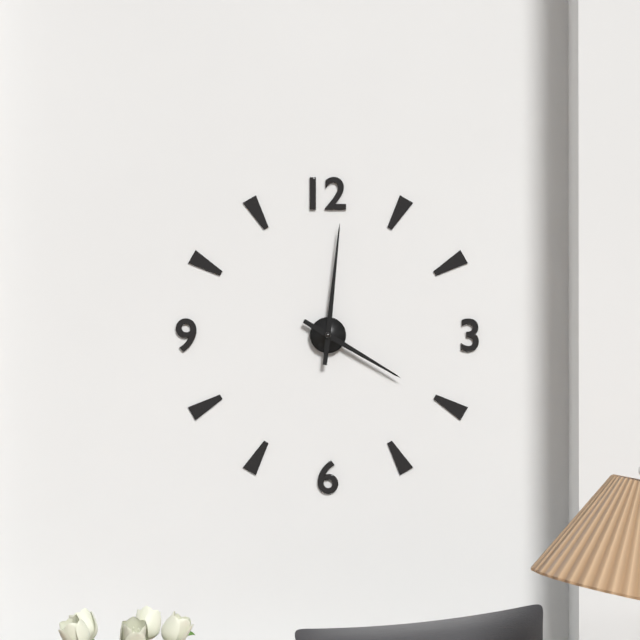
4:01
